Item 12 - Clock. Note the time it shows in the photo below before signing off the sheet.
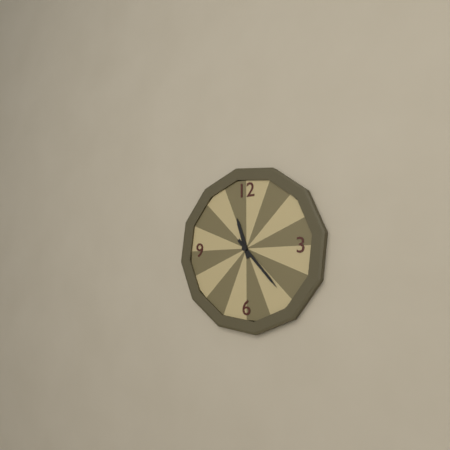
11:23
